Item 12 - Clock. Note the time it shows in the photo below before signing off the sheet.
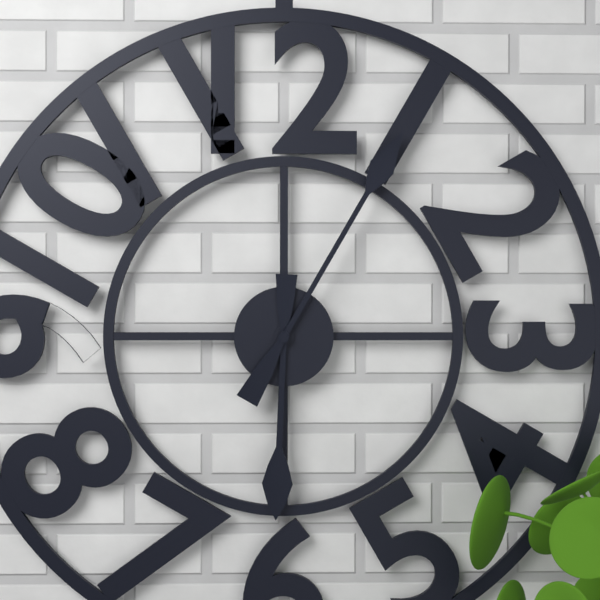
6:05
